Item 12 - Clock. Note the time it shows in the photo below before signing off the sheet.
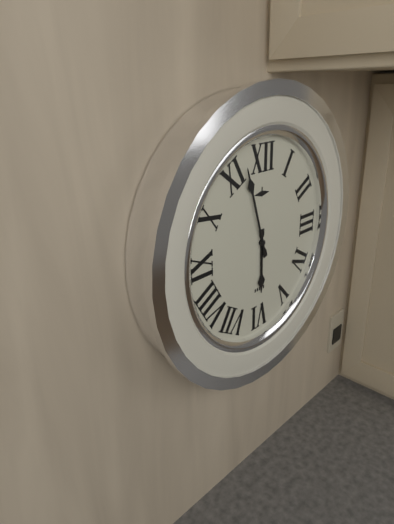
5:57
